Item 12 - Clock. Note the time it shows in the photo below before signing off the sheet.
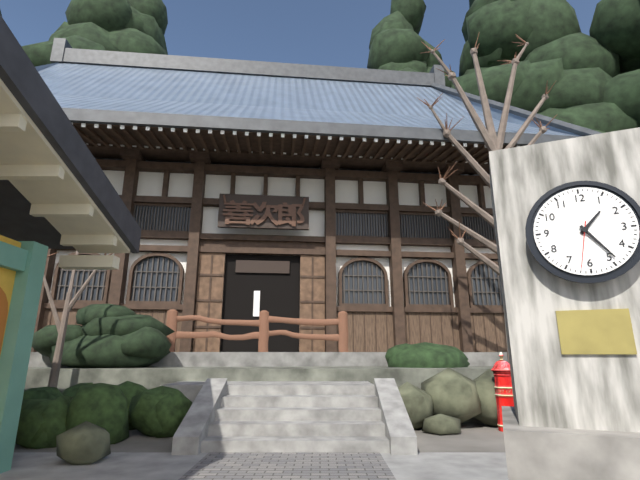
1:24
